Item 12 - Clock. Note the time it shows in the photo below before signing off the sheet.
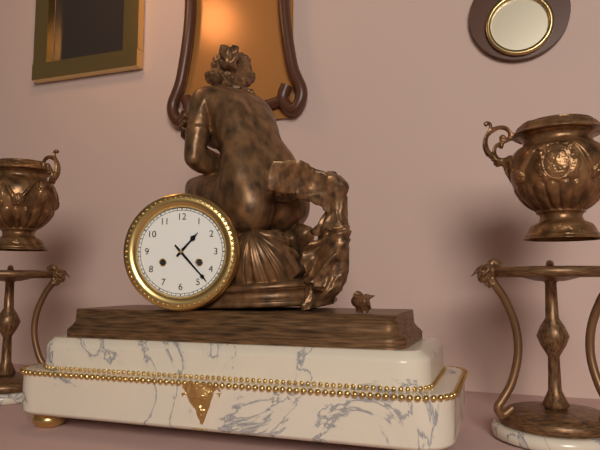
1:23
